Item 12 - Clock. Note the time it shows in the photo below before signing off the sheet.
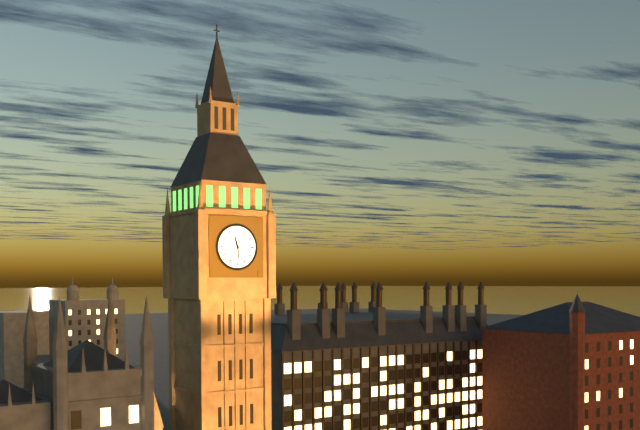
11:29
